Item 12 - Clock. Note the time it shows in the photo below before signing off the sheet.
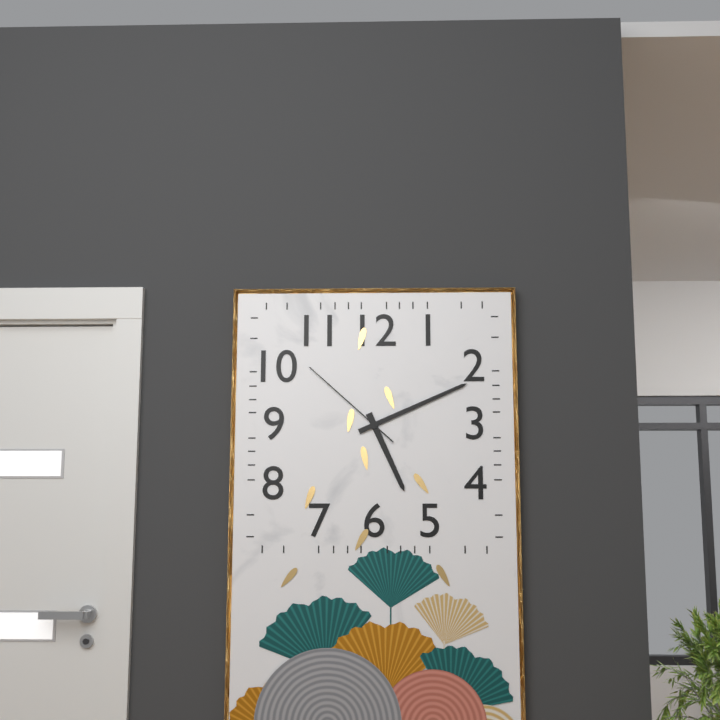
5:11:52
